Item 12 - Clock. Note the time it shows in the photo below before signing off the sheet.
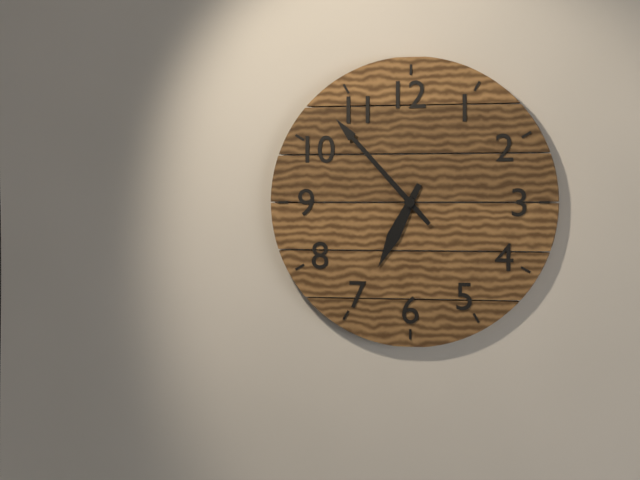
6:53
